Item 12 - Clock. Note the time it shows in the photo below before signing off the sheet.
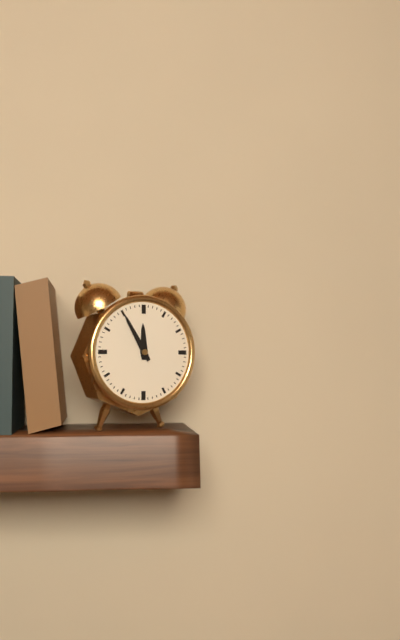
11:55
